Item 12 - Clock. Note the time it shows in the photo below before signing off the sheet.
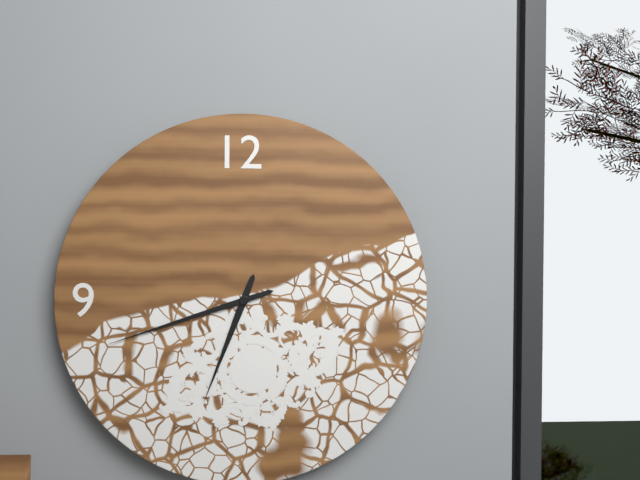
6:42
